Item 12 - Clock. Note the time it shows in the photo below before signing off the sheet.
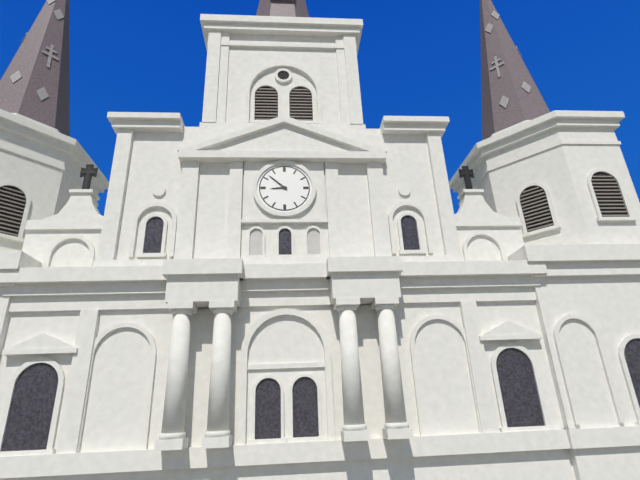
8:52
